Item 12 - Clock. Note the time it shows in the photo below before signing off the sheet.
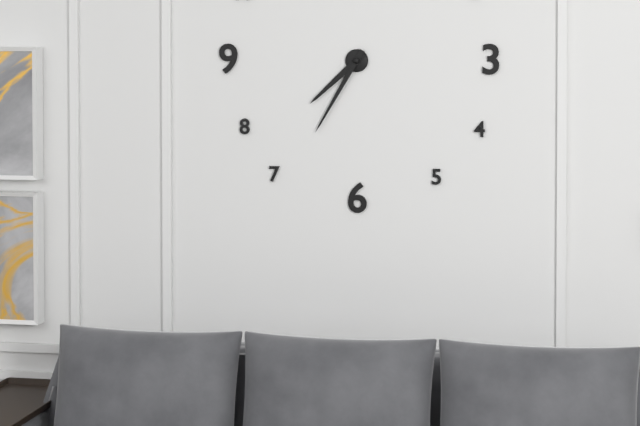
7:35
